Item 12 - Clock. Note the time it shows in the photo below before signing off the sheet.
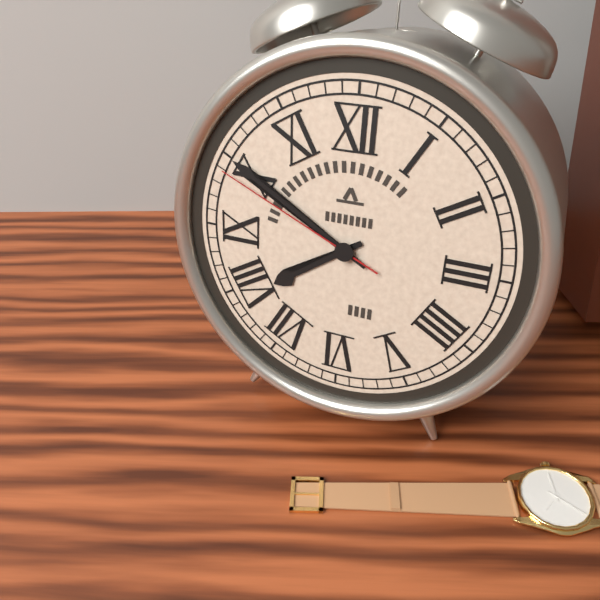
7:50:49
